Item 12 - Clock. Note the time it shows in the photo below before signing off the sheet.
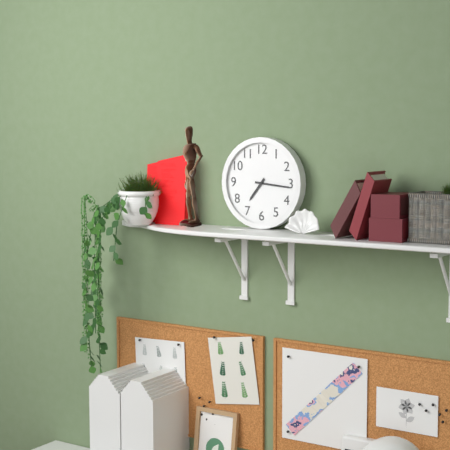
7:16
